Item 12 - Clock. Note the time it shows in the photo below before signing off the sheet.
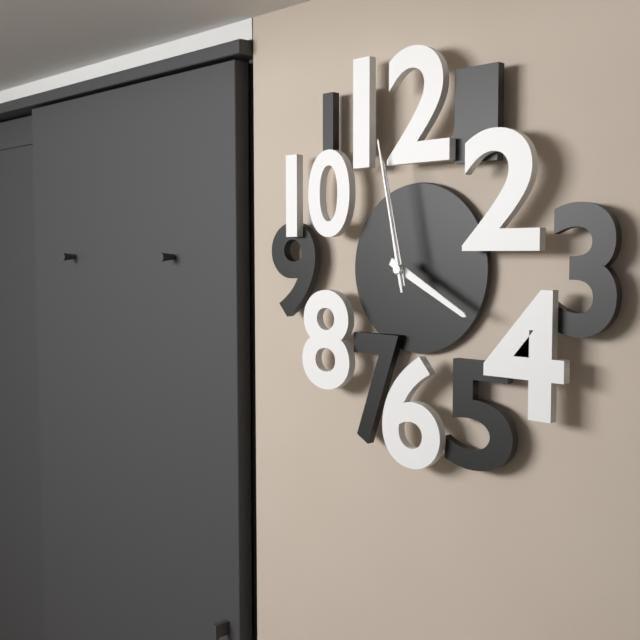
3:58:58
